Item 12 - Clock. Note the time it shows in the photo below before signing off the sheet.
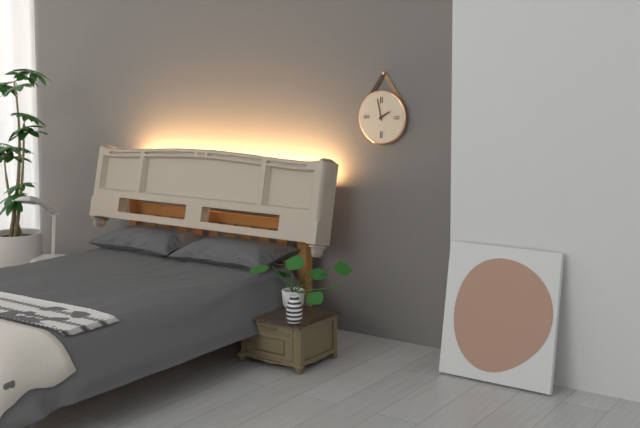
1:58
